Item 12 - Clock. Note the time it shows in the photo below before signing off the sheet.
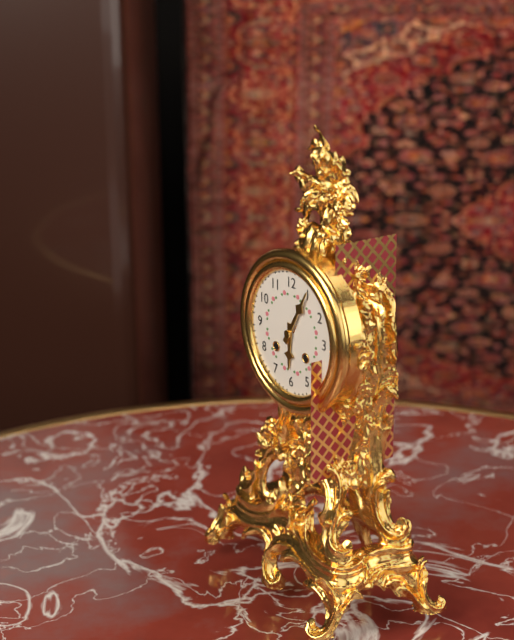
6:05
